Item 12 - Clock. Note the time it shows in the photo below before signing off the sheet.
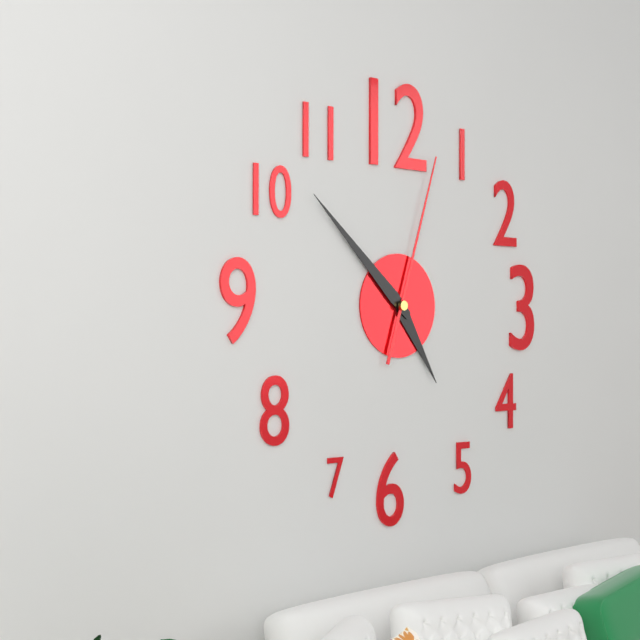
4:52:03
